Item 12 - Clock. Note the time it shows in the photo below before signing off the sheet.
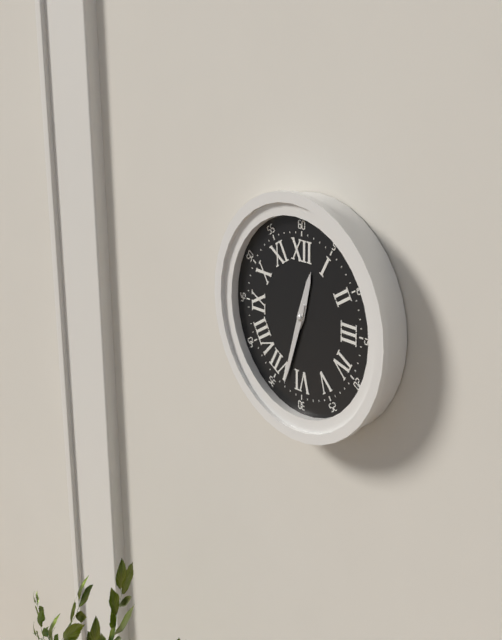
12:33
